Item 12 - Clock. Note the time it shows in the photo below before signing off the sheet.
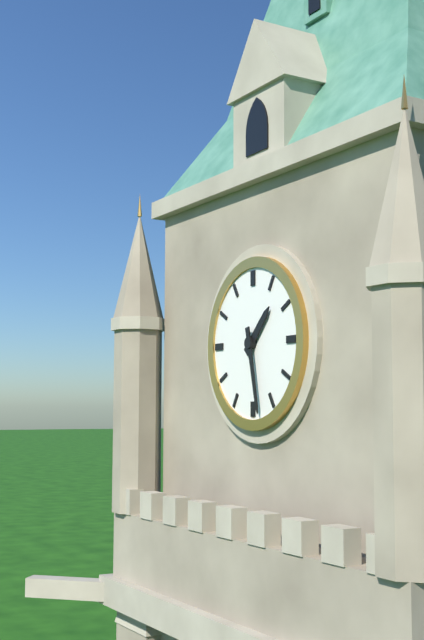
1:28
